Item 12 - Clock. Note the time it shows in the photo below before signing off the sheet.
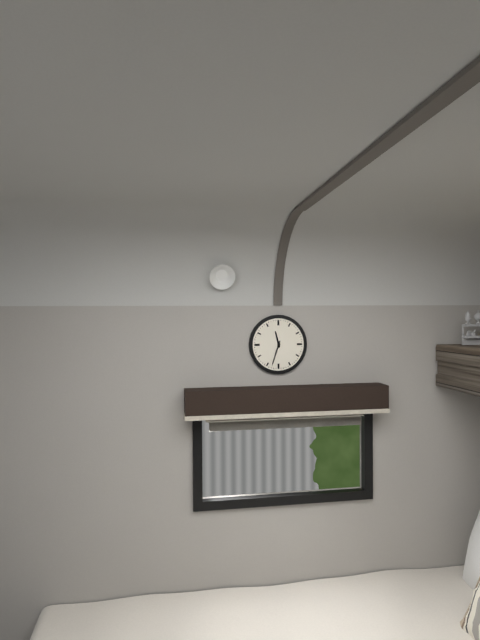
11:33
